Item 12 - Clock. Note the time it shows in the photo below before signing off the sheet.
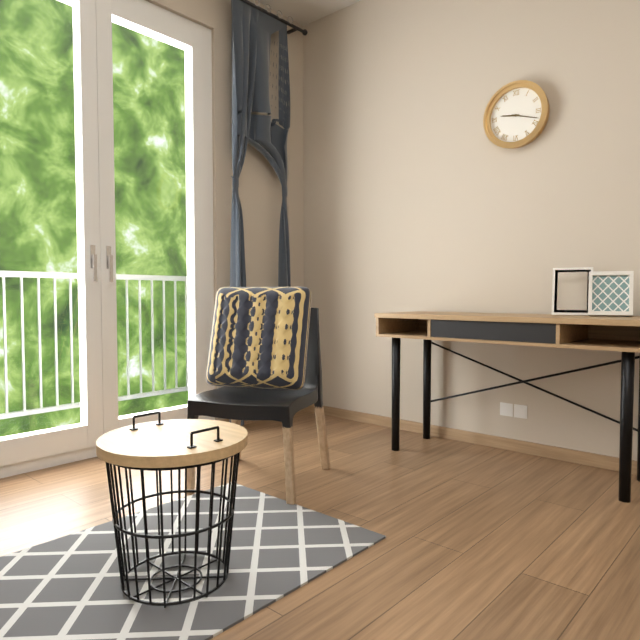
9:18
